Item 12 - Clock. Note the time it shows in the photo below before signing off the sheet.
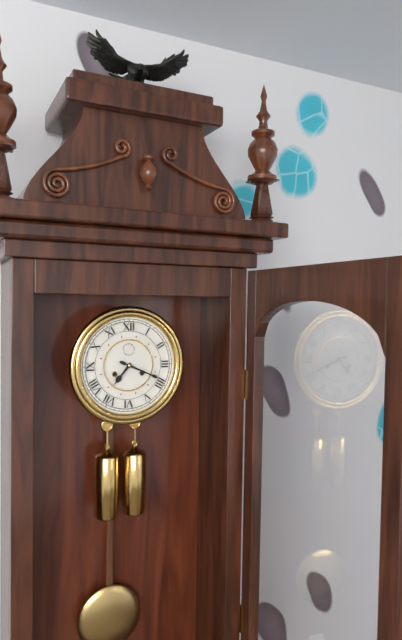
7:19
